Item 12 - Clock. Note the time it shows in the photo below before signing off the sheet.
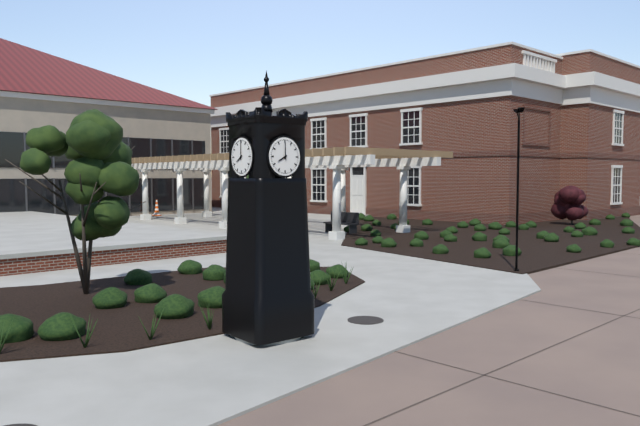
8:00
